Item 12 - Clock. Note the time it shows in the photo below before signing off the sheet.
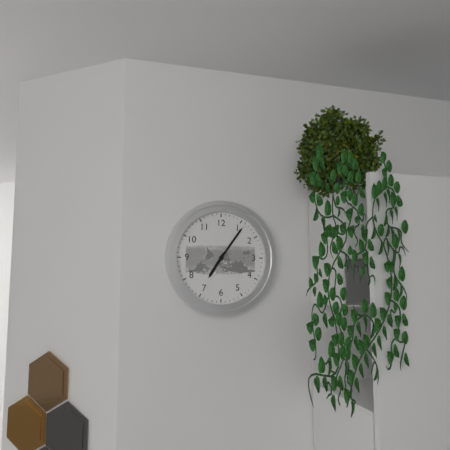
7:06
